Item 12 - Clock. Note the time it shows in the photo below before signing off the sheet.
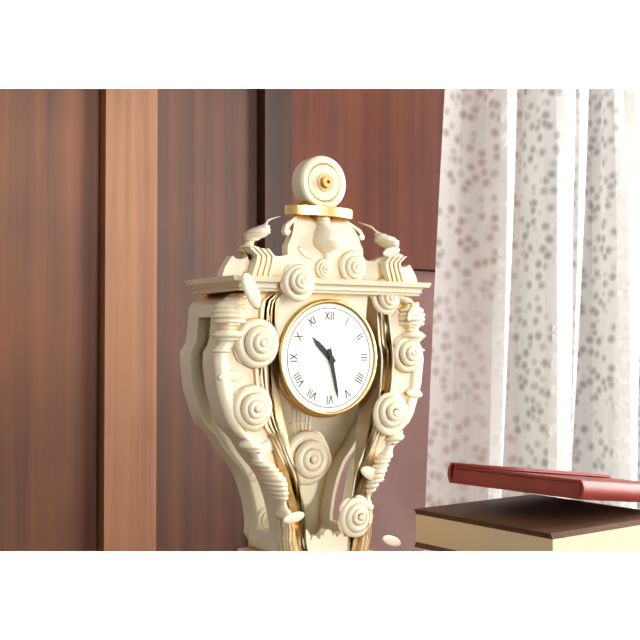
10:28
